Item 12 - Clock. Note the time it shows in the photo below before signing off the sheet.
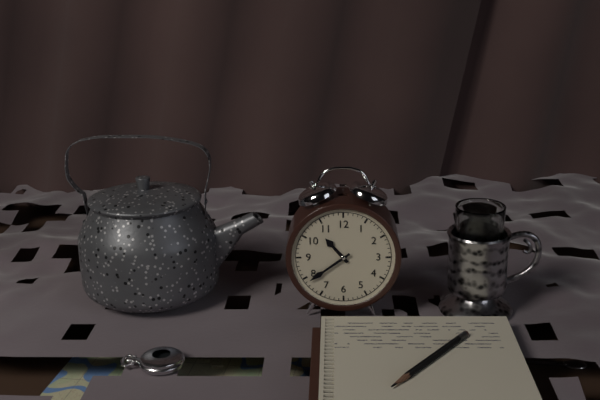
10:39
